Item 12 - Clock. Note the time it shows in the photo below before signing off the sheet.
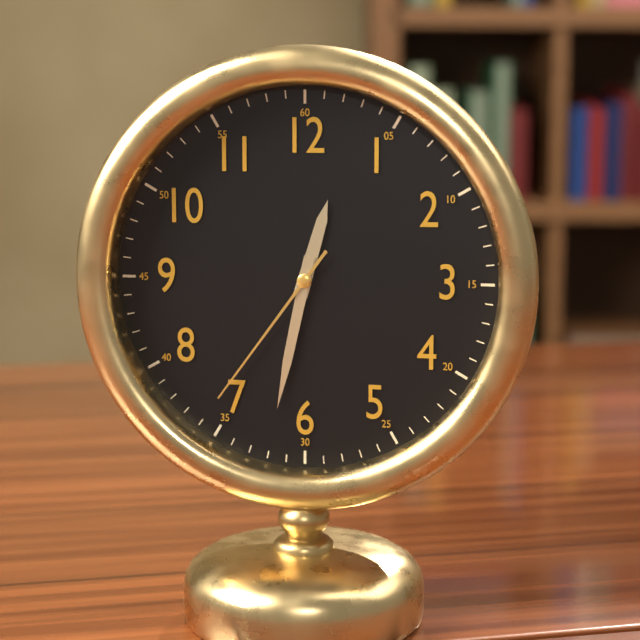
12:32:36
